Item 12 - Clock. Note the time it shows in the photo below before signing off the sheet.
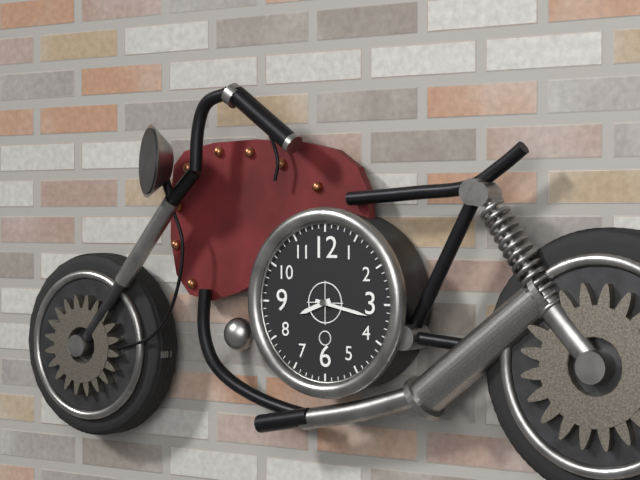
8:17
